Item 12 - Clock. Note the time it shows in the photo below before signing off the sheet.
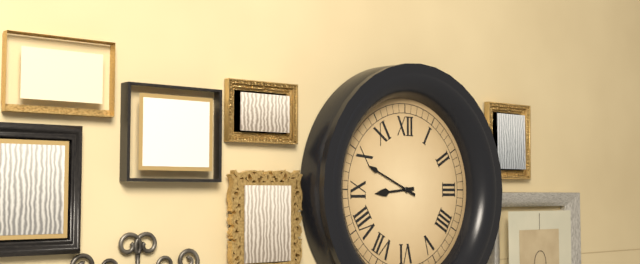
8:49
